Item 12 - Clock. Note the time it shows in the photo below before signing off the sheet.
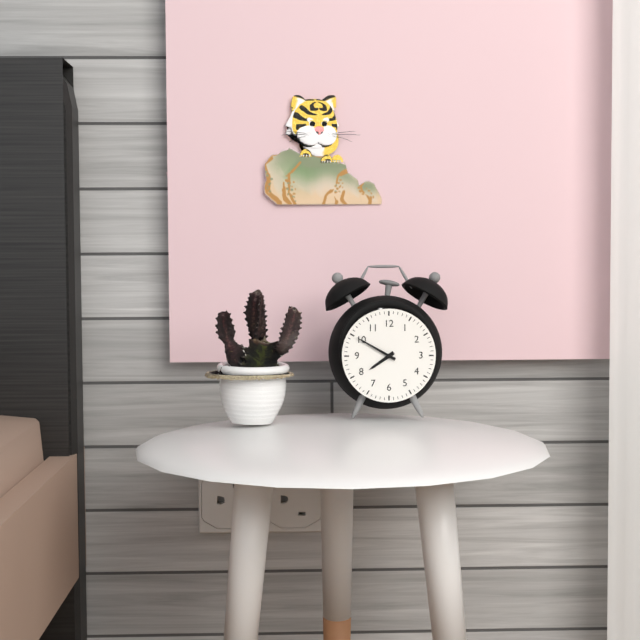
7:50
